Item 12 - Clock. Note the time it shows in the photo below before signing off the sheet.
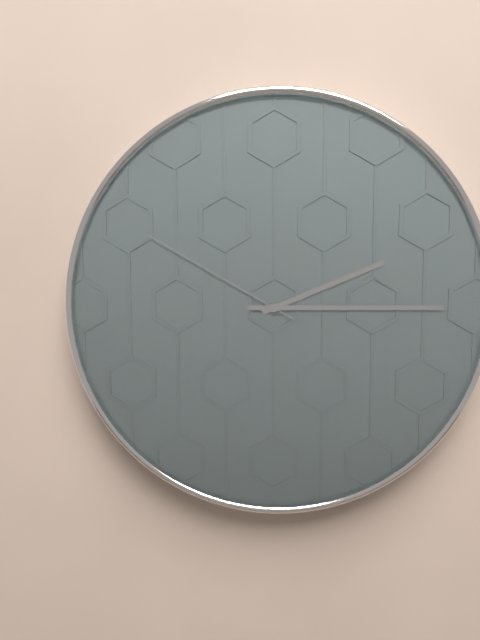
2:15:50
